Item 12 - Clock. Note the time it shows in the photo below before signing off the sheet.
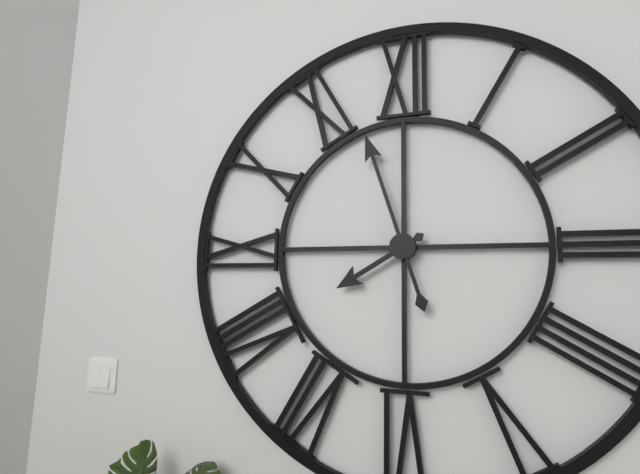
7:57
